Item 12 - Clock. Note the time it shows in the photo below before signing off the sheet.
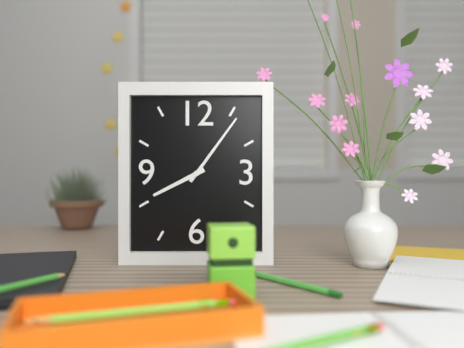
8:06
